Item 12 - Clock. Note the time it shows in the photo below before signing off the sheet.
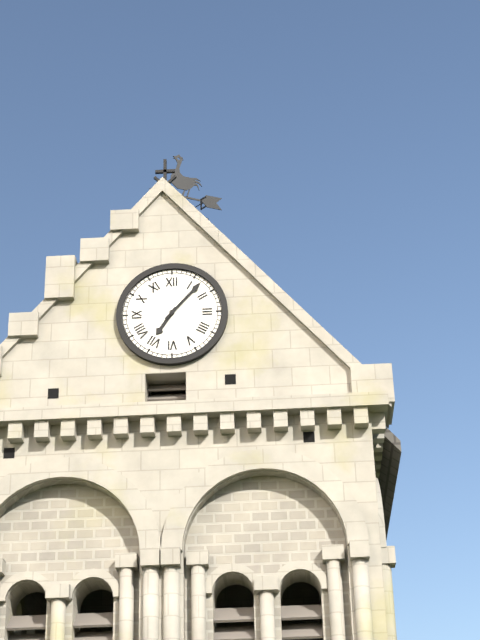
7:07
